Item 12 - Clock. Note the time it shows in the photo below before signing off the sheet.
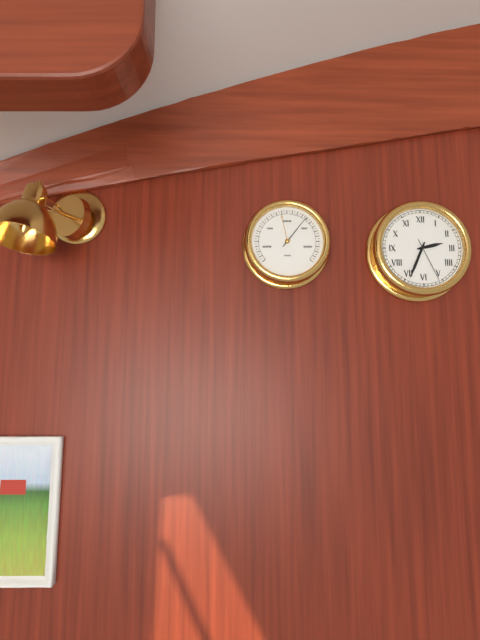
2:34
